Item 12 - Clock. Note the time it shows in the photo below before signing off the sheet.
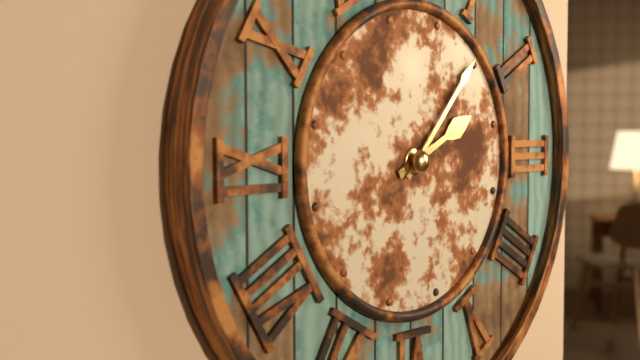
2:07
